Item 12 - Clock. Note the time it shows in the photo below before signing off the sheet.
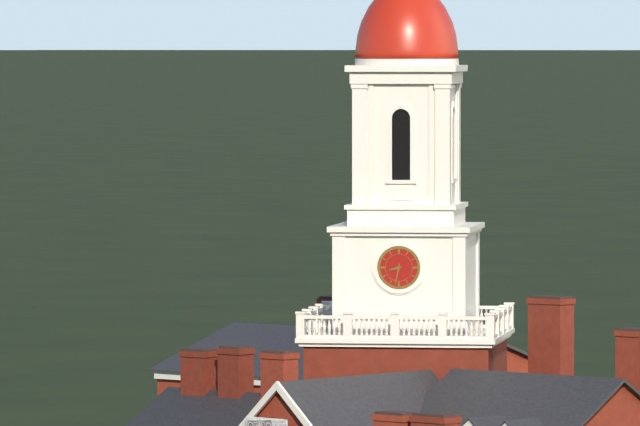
8:32
